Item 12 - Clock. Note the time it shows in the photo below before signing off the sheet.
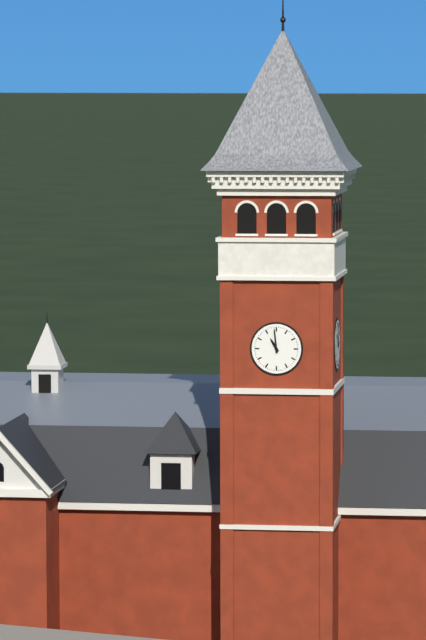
10:59
